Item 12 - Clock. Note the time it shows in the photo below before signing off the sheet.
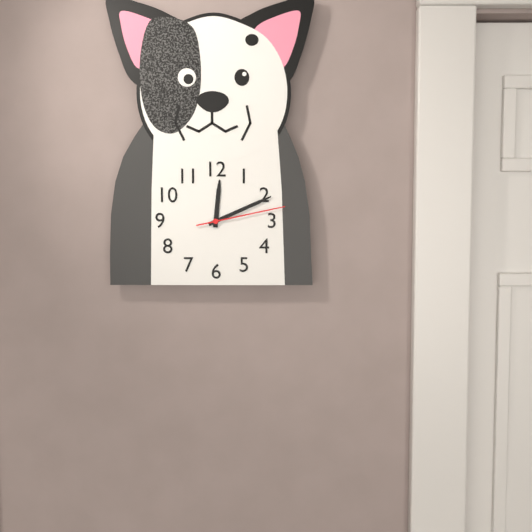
12:11:13
